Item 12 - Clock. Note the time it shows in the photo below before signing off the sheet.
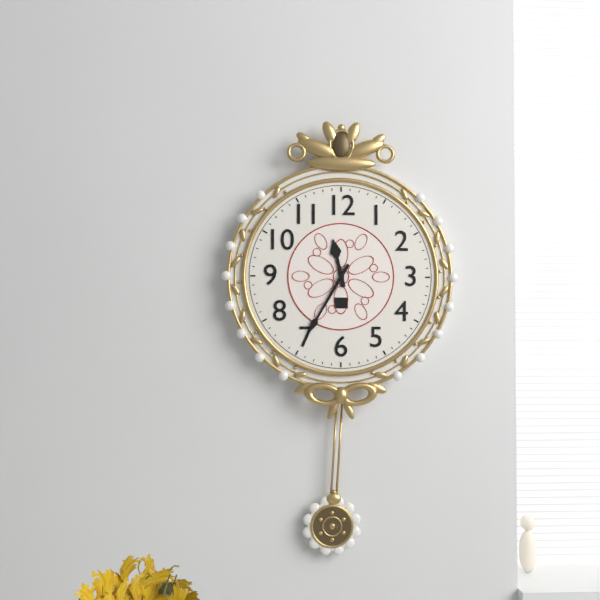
11:35
